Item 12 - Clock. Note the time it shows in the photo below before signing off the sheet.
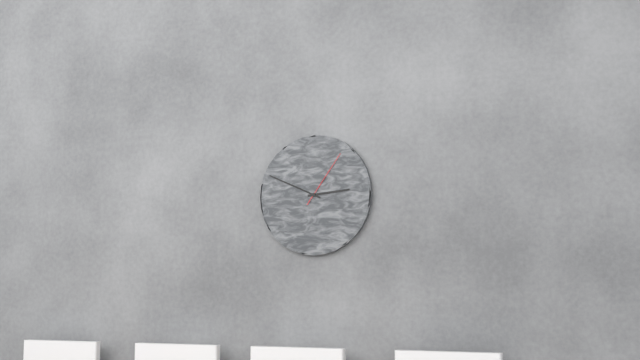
2:49:06
